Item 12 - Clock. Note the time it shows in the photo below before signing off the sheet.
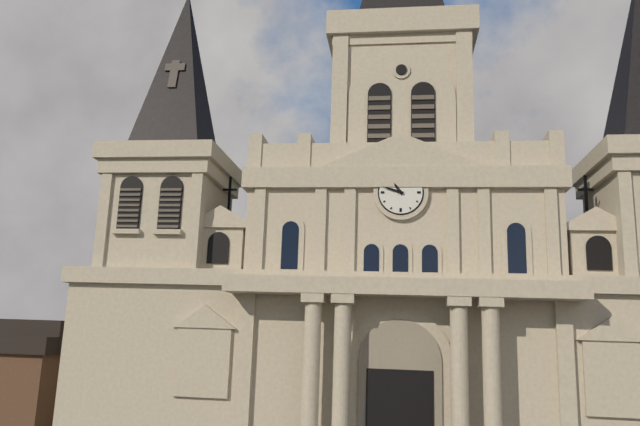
10:48
